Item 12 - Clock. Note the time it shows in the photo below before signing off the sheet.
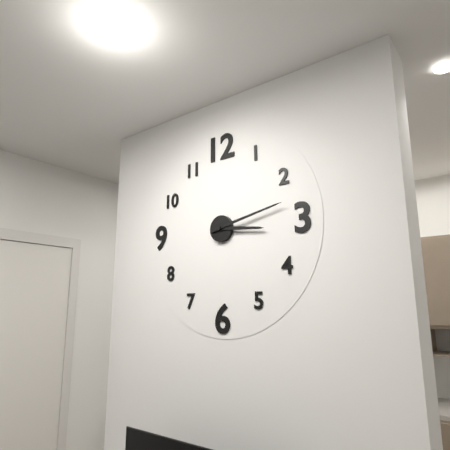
3:13
